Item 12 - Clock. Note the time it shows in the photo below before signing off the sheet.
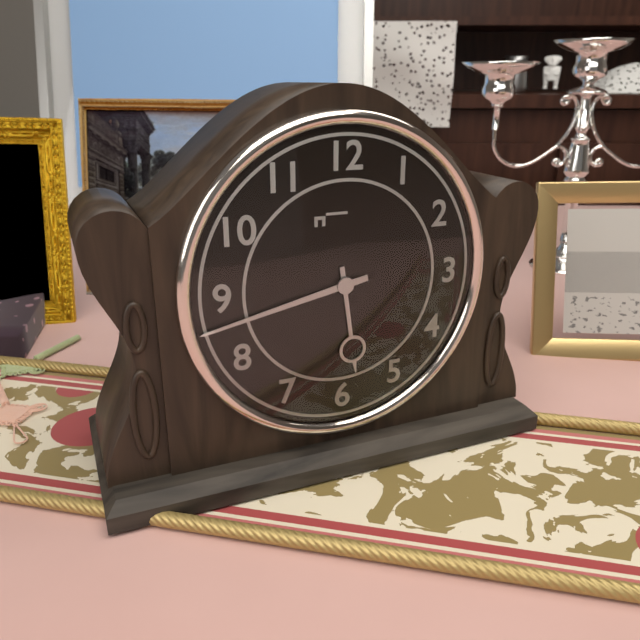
5:43
